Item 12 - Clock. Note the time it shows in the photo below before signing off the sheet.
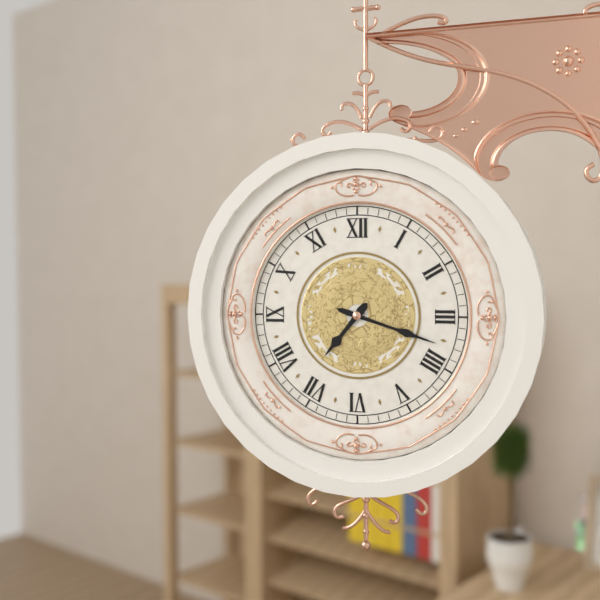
7:18
